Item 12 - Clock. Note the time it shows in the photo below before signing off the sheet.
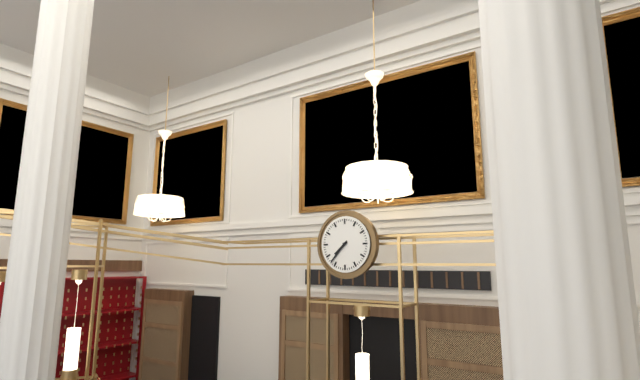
7:37
